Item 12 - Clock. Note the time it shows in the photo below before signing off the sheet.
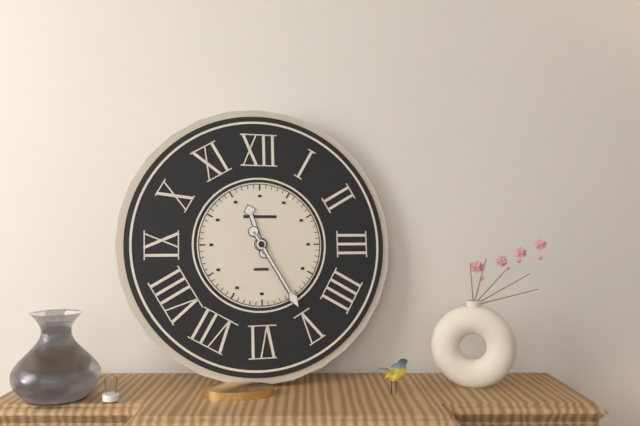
11:25
